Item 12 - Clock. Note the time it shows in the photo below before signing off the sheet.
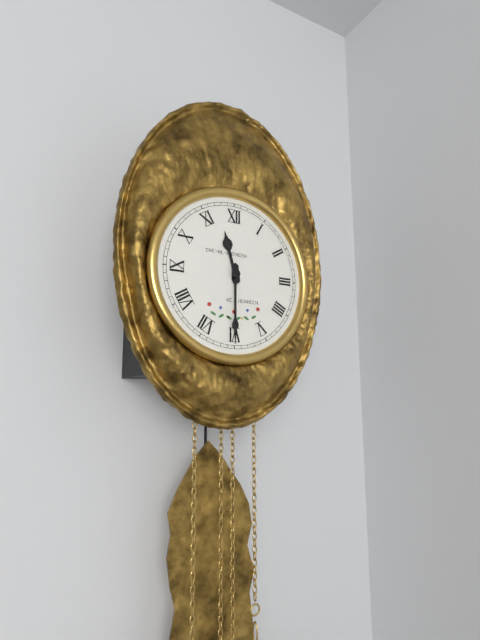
11:30
